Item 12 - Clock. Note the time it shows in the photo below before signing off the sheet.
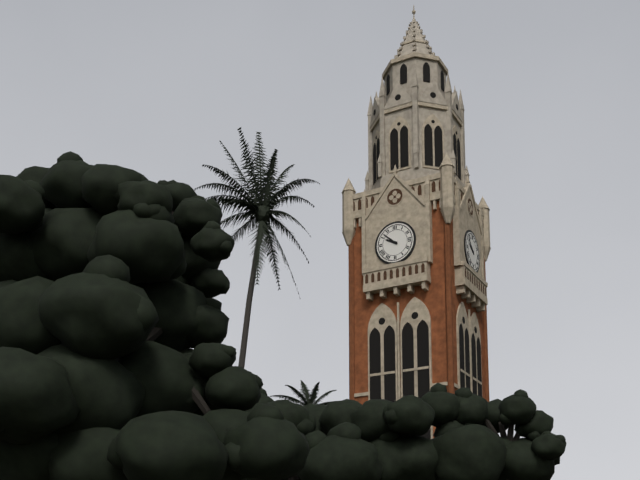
9:52
